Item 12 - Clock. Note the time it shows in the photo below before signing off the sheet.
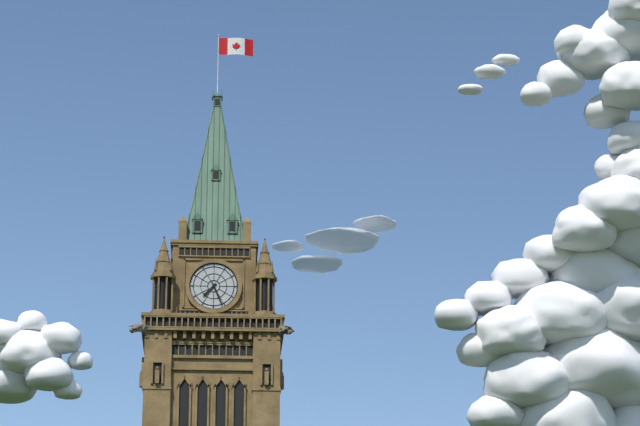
7:26
